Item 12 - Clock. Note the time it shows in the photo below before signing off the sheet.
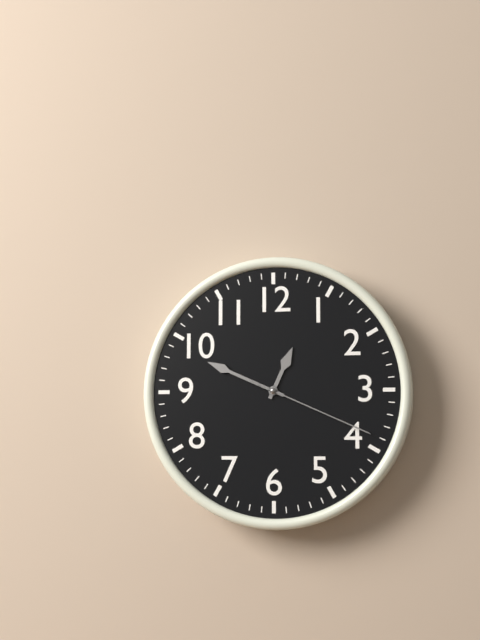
12:49:19
